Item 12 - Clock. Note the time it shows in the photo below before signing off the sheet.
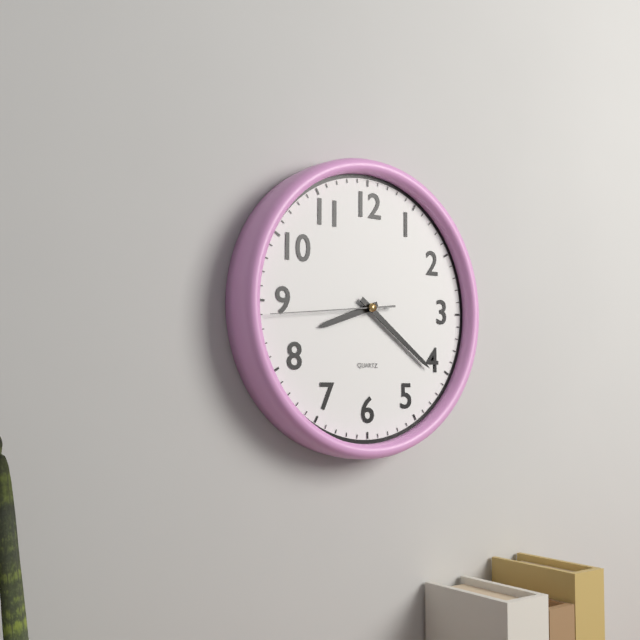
8:21:44
